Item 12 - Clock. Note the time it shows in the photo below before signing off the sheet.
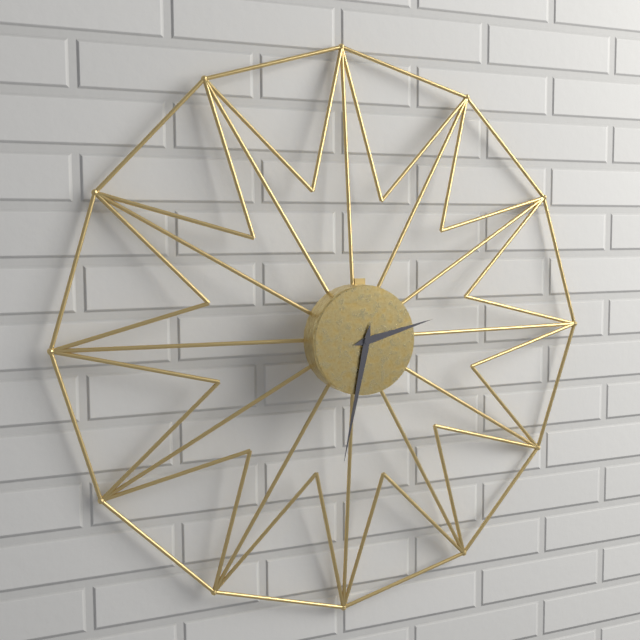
2:32
